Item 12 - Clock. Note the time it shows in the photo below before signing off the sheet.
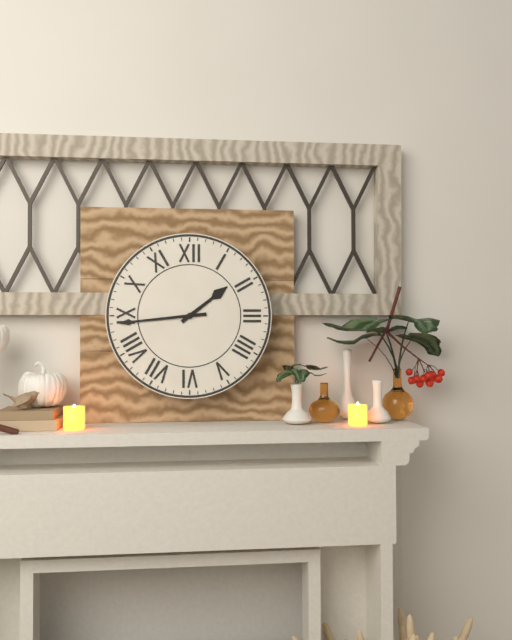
1:44
